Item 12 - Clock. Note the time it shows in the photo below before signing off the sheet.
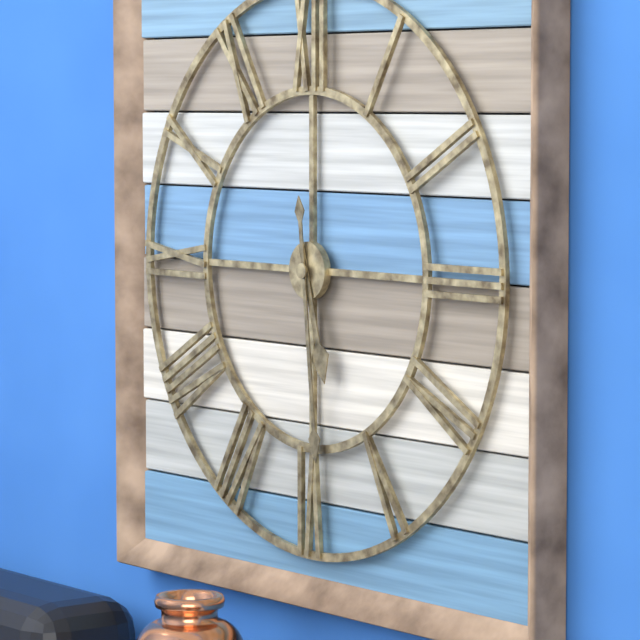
5:29
